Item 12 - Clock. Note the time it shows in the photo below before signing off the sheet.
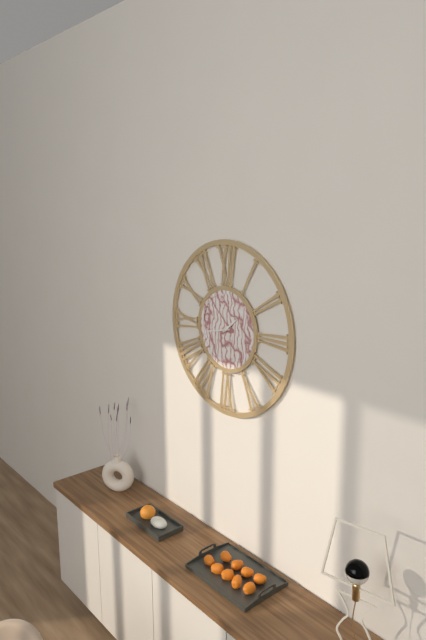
1:43
